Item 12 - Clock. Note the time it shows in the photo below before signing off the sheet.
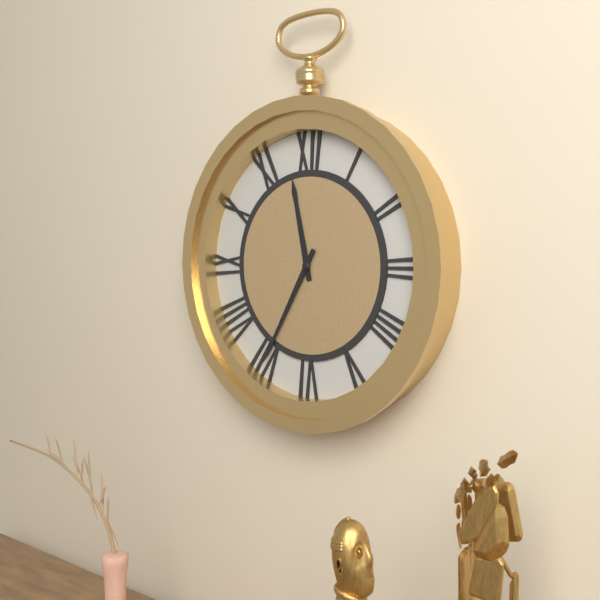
11:35
